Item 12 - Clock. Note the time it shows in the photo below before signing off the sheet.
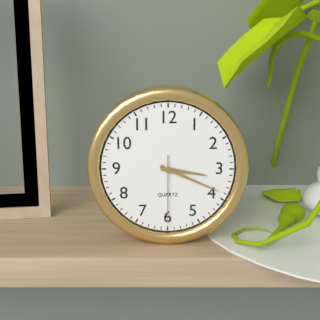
3:19:30
